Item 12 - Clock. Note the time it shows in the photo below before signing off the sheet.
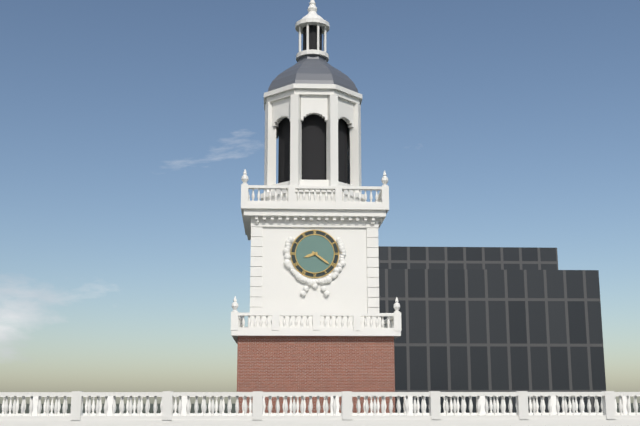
8:21
